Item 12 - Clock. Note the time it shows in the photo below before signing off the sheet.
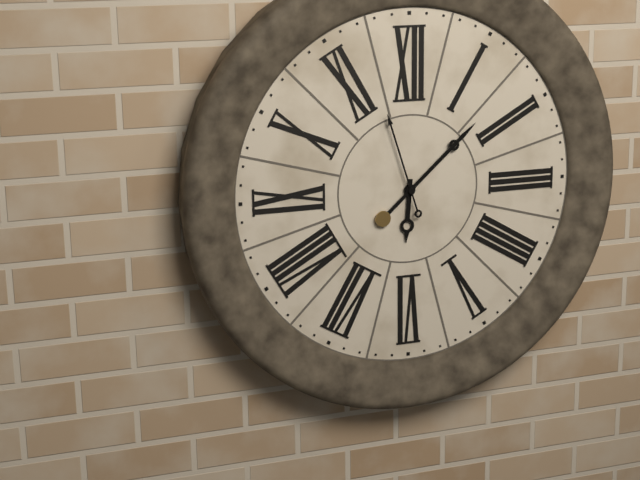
6:08:57
